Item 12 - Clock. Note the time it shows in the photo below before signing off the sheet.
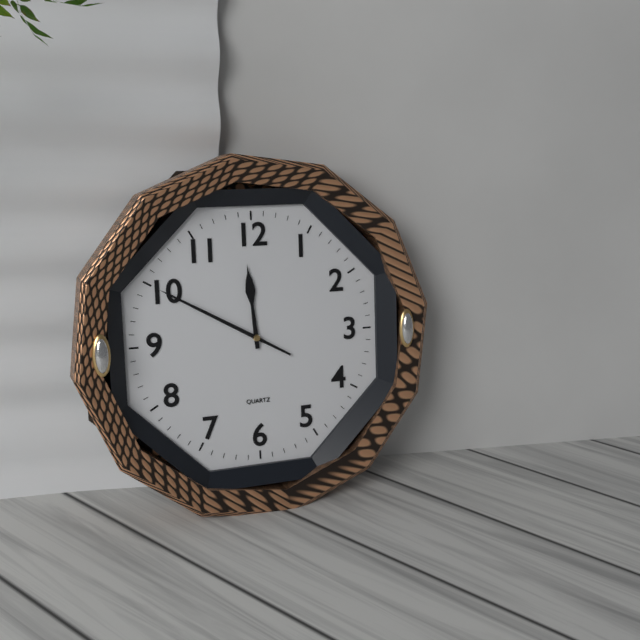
11:50
